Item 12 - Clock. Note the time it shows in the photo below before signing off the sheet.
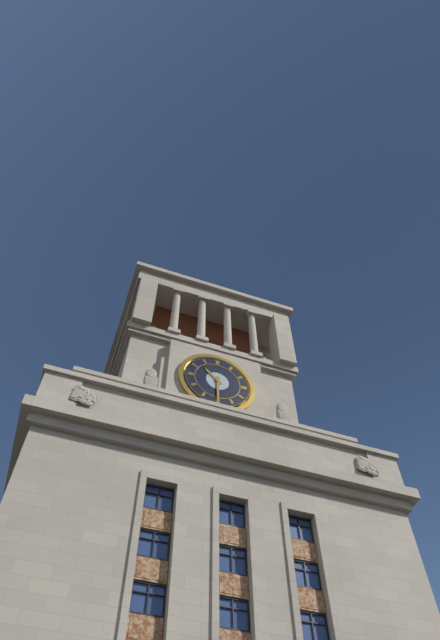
10:30
